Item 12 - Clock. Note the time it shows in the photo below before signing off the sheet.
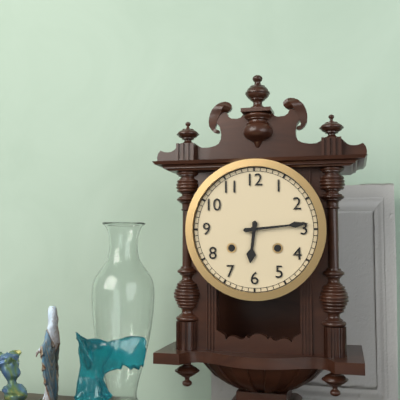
6:14
